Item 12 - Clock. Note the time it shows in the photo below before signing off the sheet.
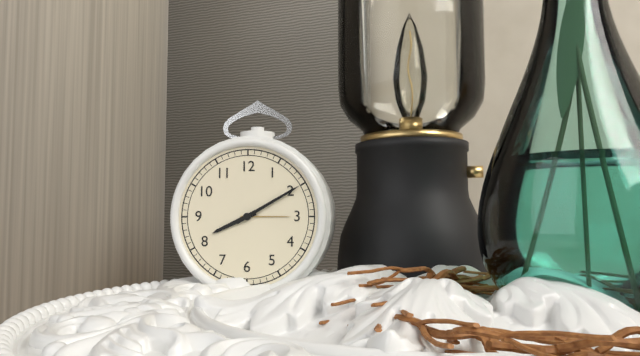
8:10
